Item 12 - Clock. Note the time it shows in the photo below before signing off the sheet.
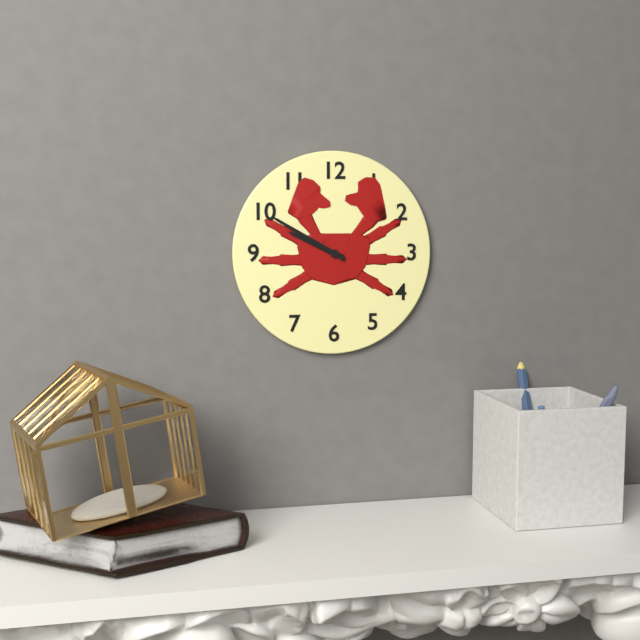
9:50
